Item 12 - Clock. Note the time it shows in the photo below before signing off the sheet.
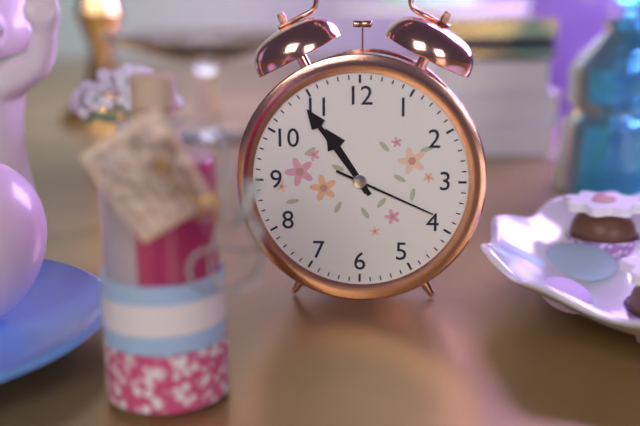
10:54:19
